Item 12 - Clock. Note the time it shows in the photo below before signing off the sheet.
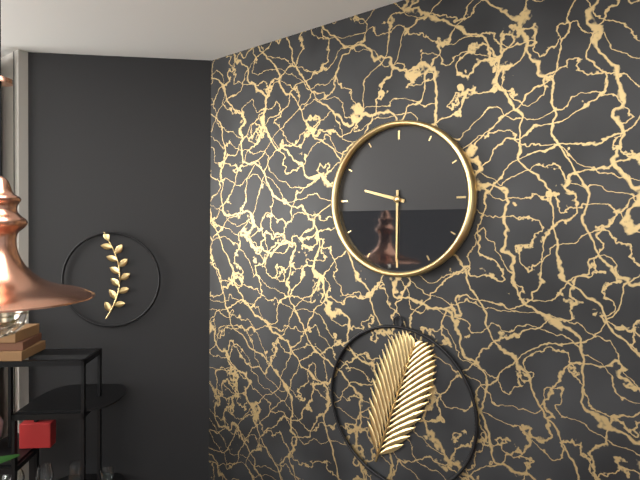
9:30
